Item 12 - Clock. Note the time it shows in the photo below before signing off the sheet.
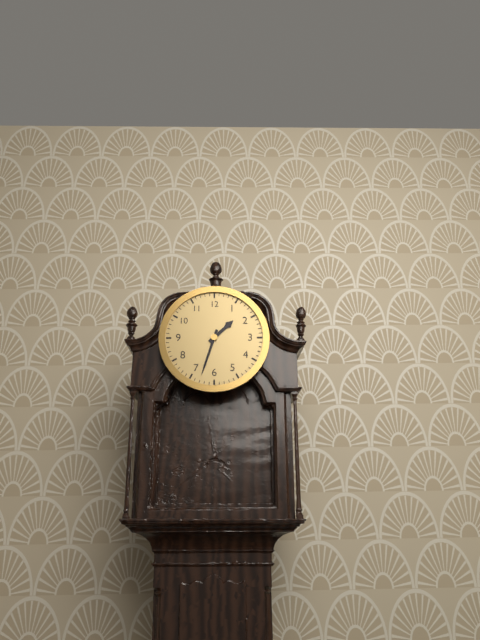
1:33
